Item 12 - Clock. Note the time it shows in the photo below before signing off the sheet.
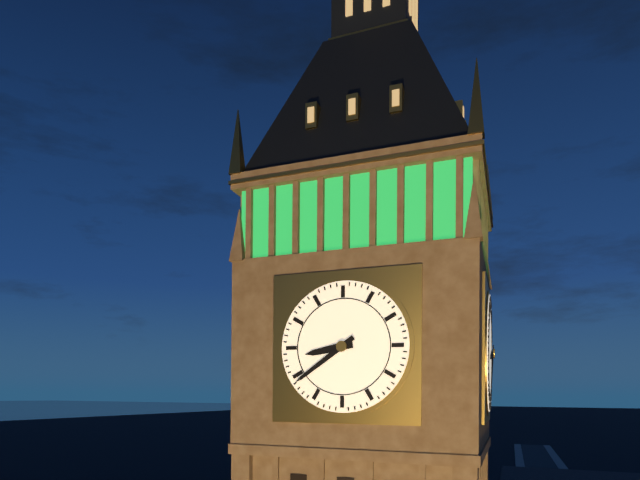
8:39
